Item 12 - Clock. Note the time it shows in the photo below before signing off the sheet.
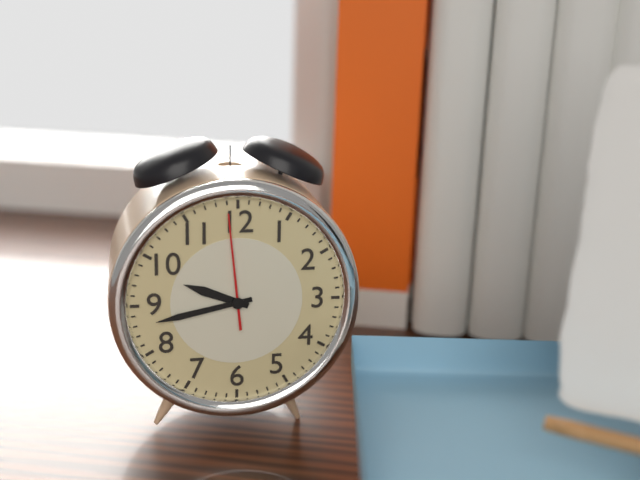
9:43:59
